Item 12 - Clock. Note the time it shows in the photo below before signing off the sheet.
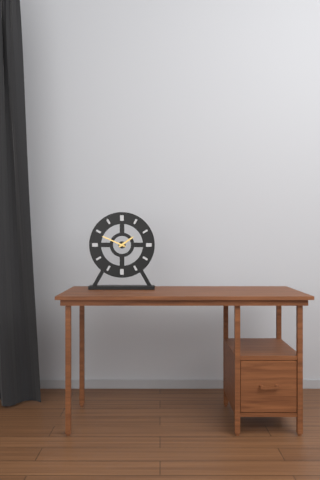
1:49
